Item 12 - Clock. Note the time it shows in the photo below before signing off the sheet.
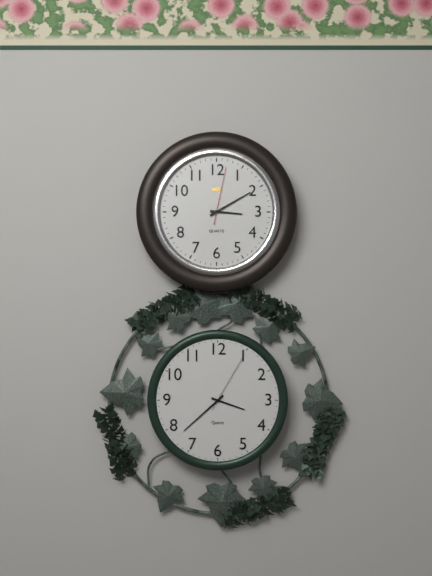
3:10:02
